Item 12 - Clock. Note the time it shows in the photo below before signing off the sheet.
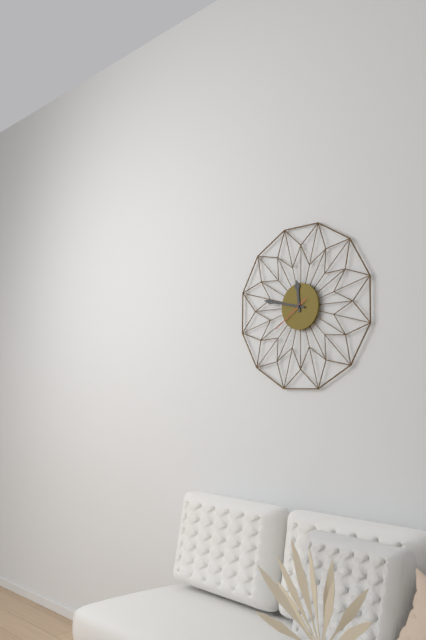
11:47
